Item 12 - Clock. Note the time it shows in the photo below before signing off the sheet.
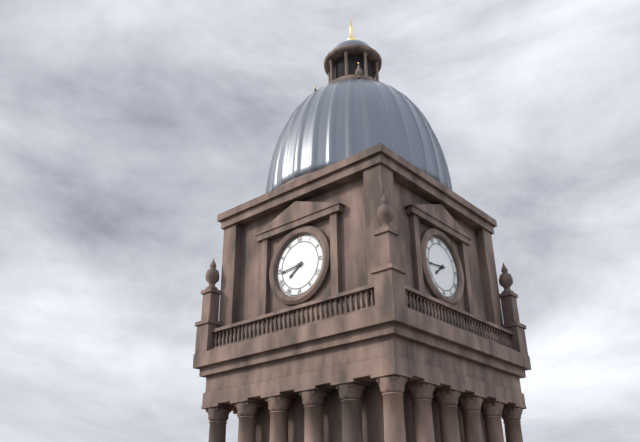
7:44
